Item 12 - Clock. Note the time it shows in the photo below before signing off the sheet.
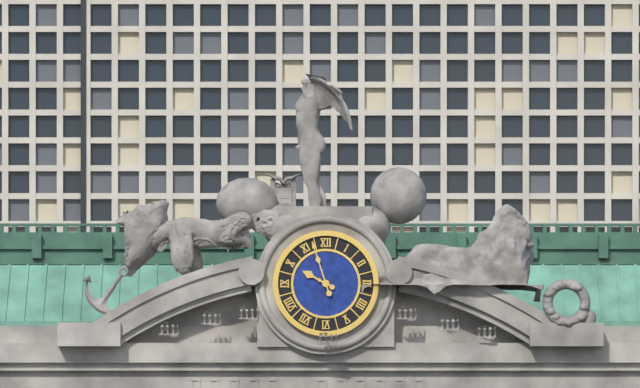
9:57
